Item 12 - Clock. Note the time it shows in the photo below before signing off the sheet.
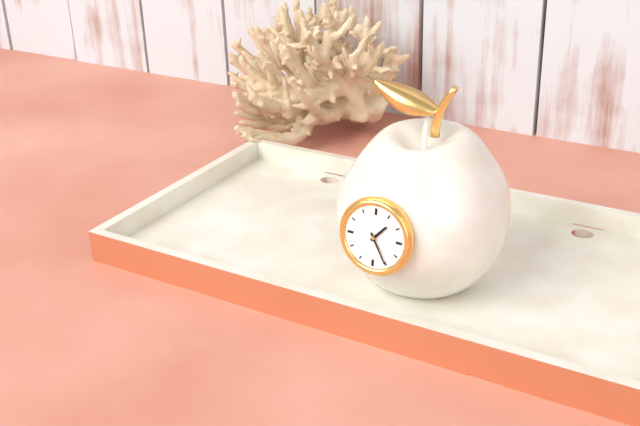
1:25
